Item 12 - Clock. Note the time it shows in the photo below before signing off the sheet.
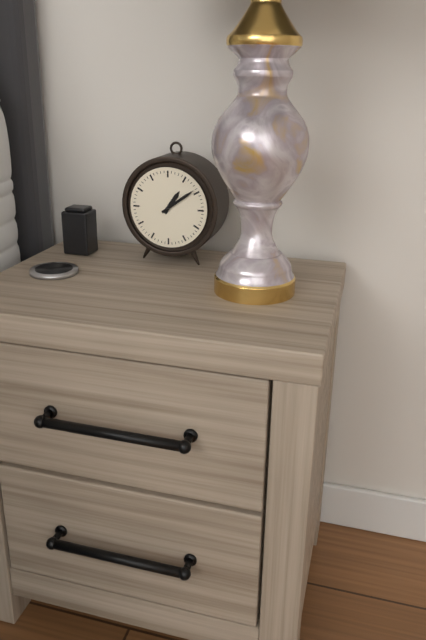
1:09
